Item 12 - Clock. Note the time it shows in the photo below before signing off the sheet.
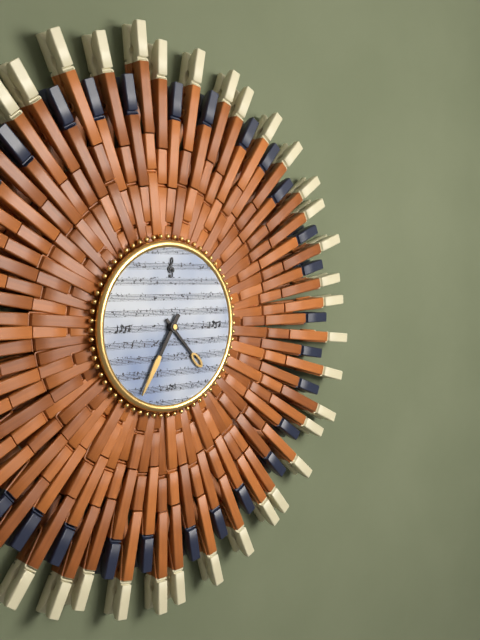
4:35
